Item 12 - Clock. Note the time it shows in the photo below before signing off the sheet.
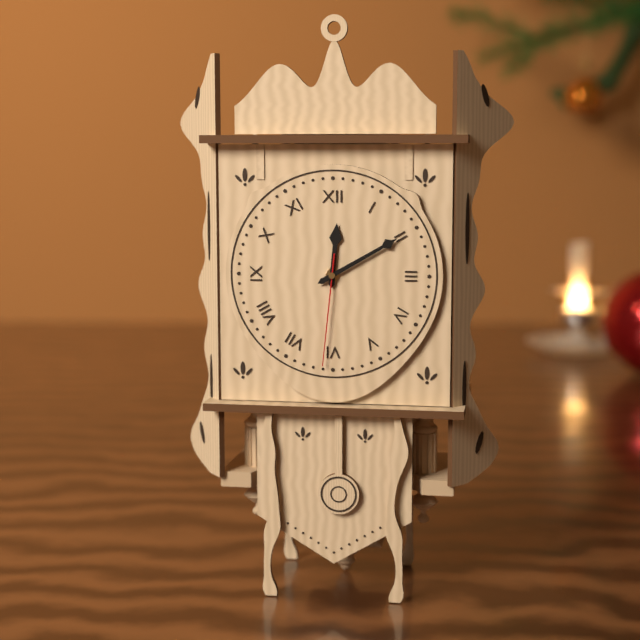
12:10:31
